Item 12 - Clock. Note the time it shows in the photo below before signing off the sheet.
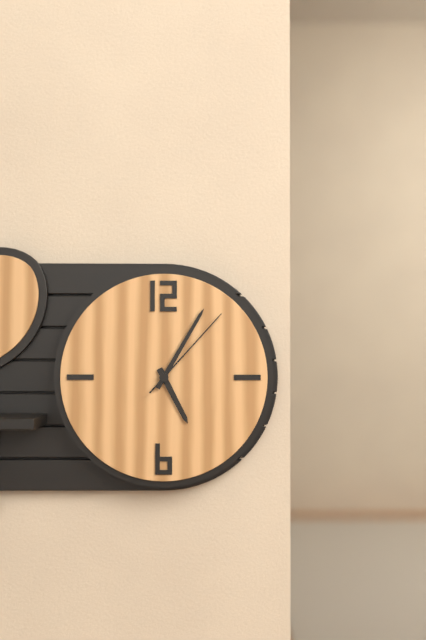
5:05:07
